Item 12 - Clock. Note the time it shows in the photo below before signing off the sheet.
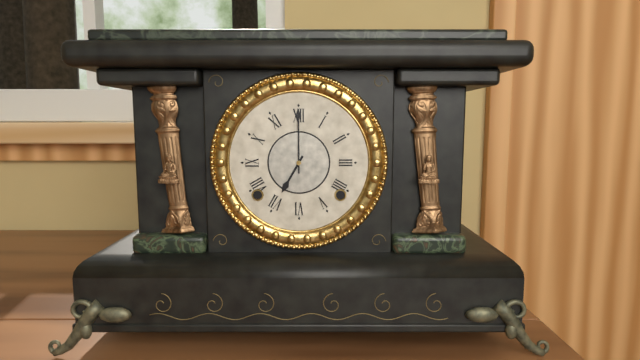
7:00
